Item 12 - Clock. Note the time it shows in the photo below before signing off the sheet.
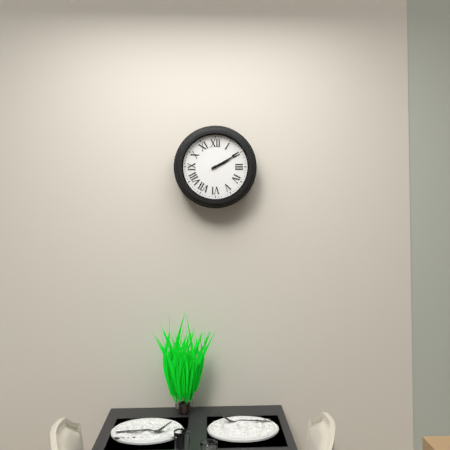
2:10
